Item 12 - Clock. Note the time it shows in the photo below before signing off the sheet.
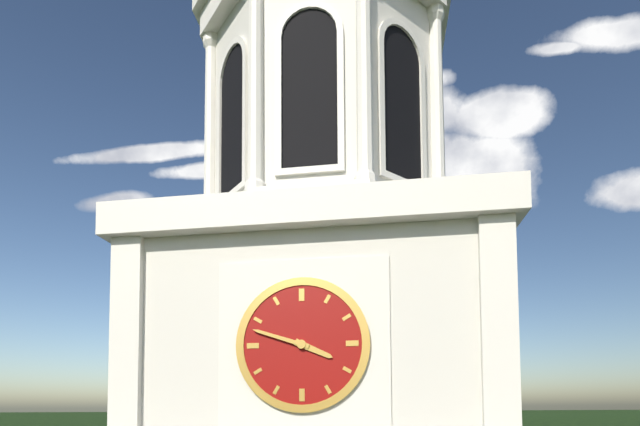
3:48
